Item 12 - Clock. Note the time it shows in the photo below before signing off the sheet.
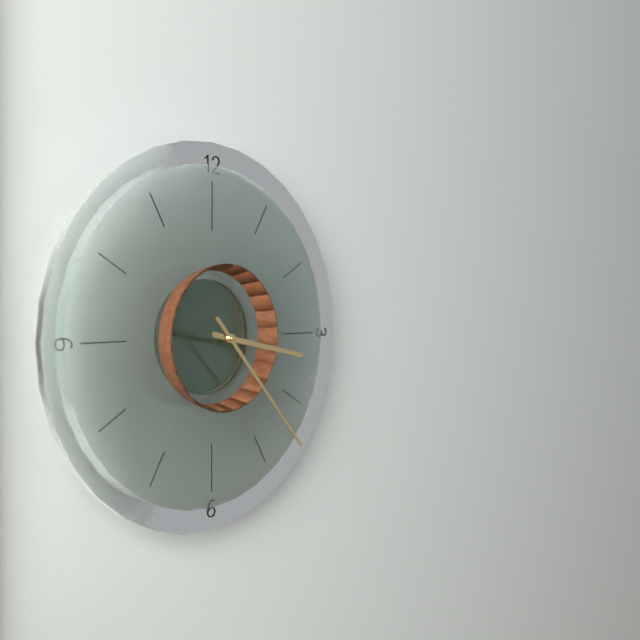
3:23
